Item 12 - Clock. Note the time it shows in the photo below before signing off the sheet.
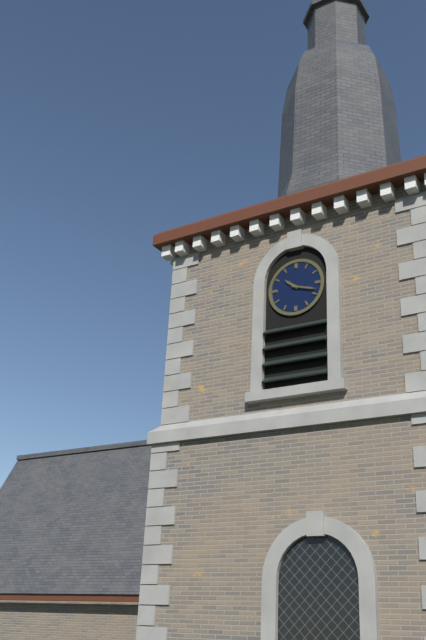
10:18
